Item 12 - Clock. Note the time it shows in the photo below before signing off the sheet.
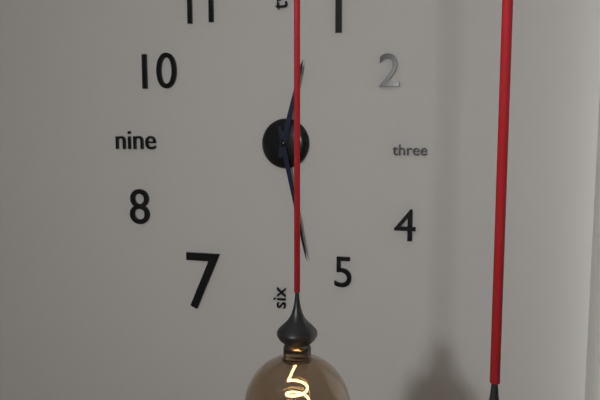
12:28
